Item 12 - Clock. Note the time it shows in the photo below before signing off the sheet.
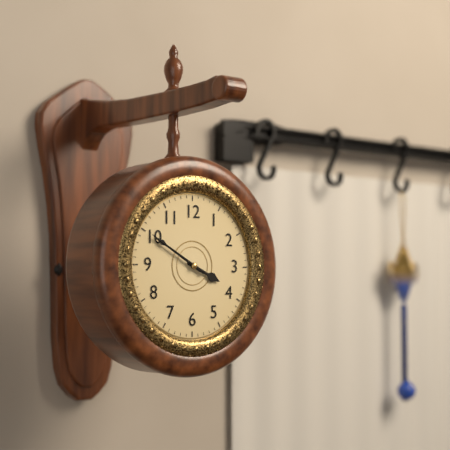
3:50:50
